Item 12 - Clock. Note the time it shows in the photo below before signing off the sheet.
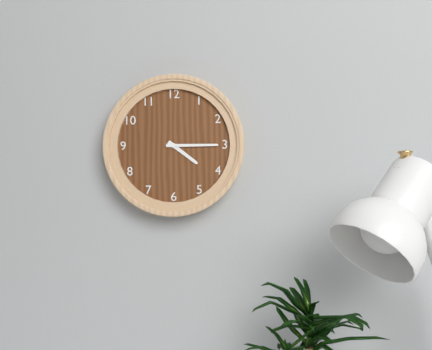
4:15
